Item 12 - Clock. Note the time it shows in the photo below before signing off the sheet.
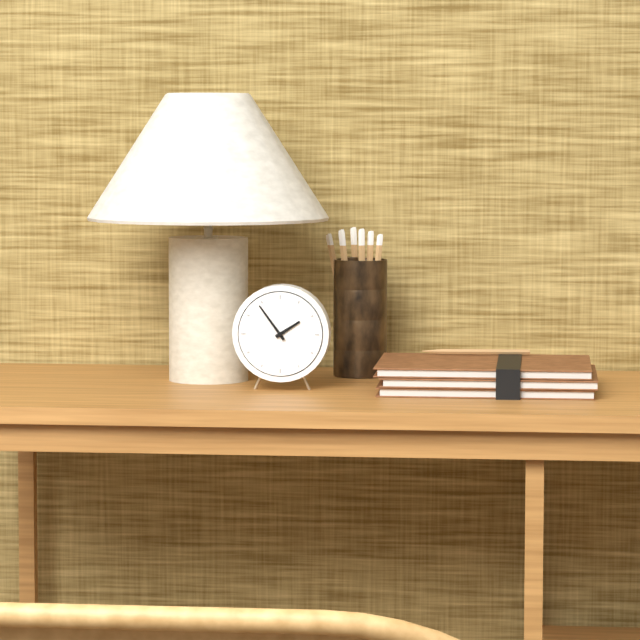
1:54
